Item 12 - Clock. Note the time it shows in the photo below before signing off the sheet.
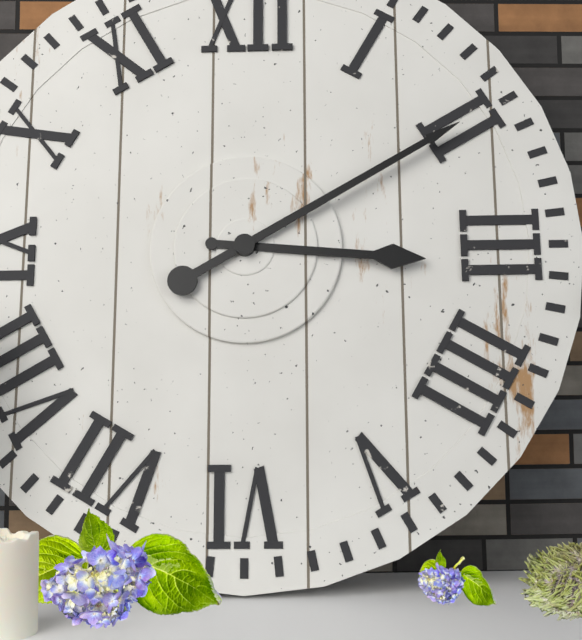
3:10
